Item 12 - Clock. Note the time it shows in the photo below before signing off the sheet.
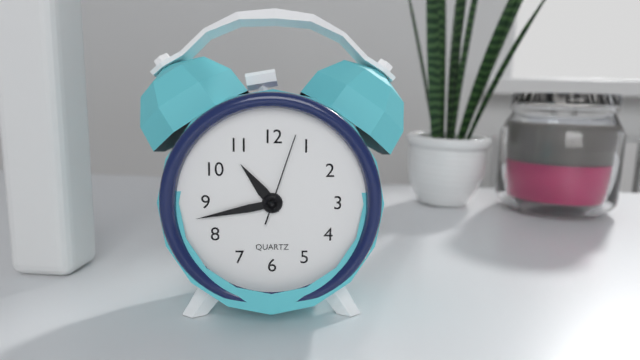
10:43:03
